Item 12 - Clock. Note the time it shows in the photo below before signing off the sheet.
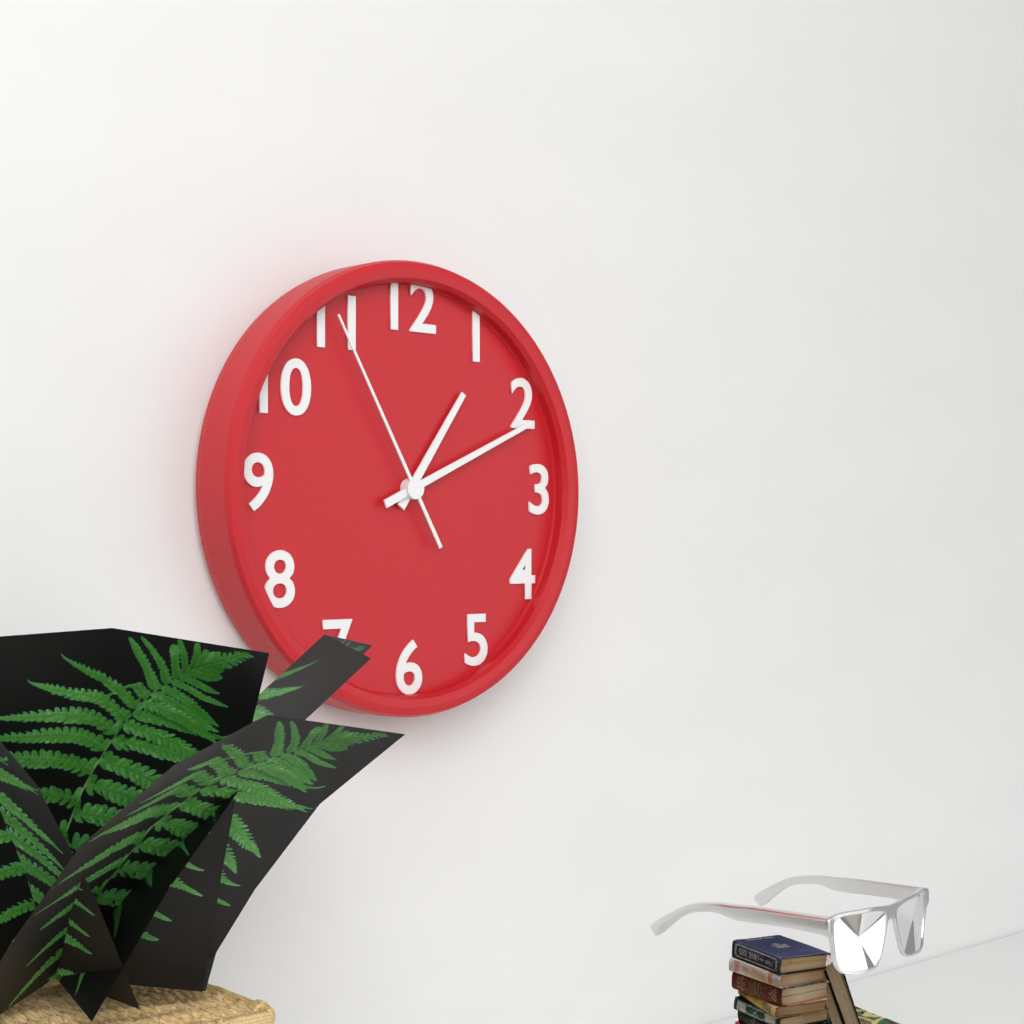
1:11:55
